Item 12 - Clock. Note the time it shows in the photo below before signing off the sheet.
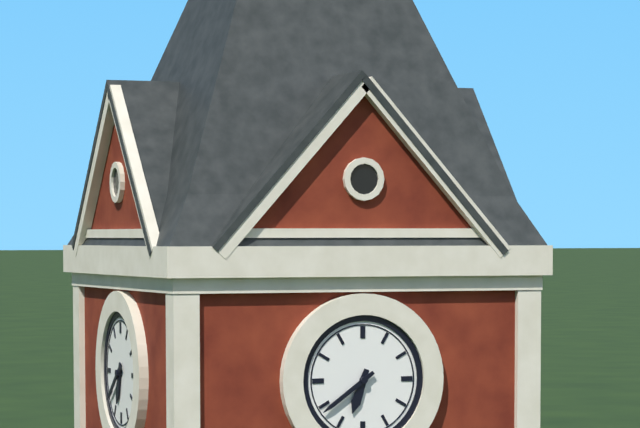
6:39
